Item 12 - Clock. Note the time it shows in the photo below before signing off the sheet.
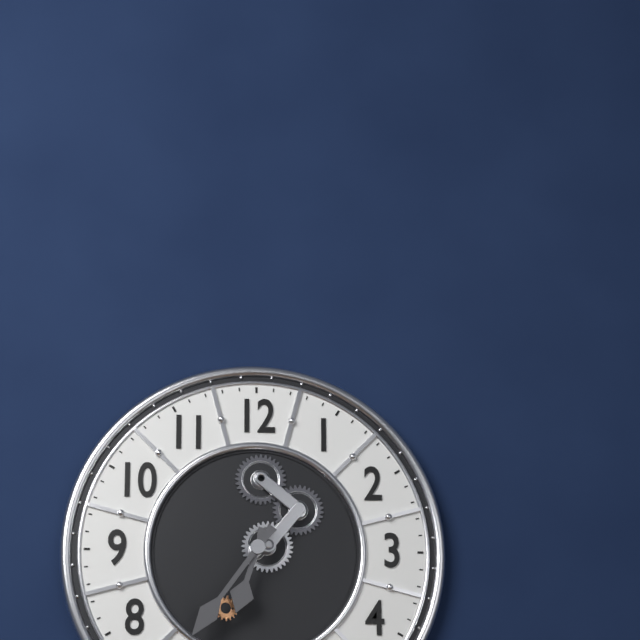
6:36
